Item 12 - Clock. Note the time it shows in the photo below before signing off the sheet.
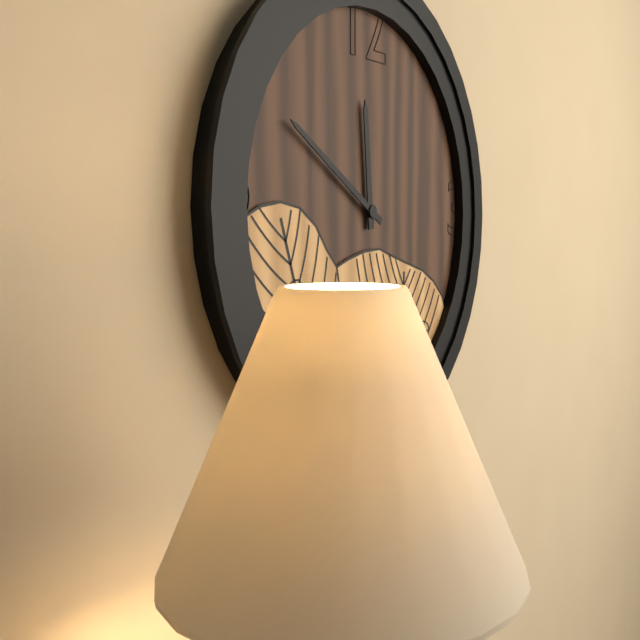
11:50
